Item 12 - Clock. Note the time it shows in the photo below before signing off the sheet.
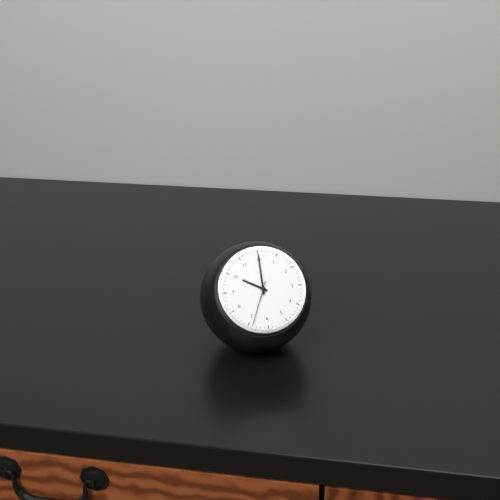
10:00
